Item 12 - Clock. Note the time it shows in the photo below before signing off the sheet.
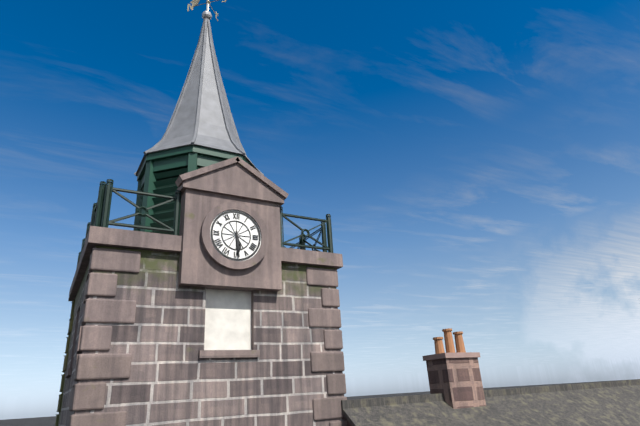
5:29
